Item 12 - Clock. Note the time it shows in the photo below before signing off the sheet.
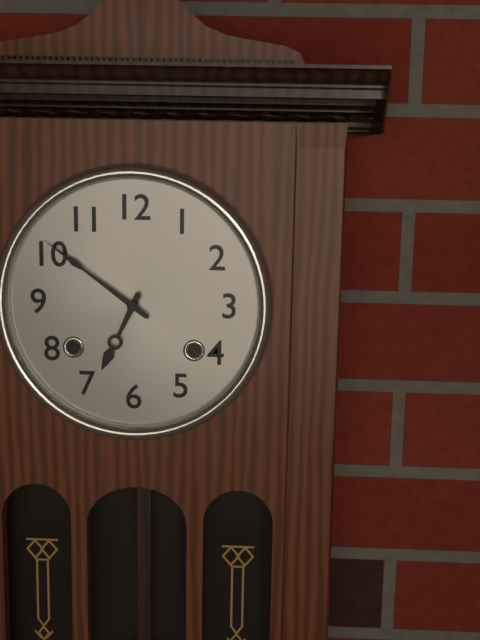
6:51
